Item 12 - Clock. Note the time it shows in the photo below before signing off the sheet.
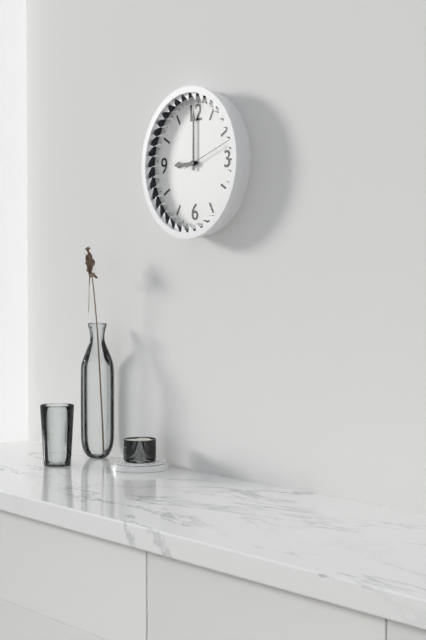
9:00:12
